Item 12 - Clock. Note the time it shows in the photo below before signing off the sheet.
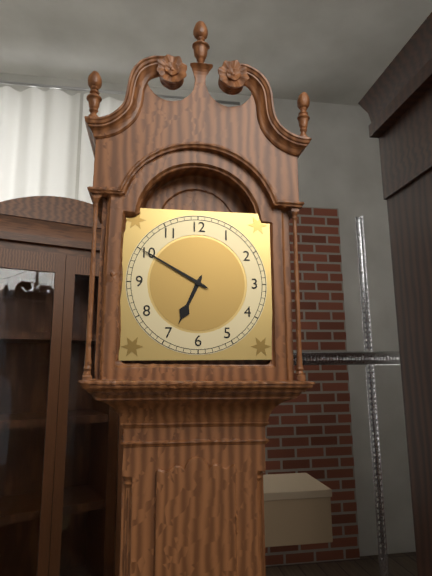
6:50
